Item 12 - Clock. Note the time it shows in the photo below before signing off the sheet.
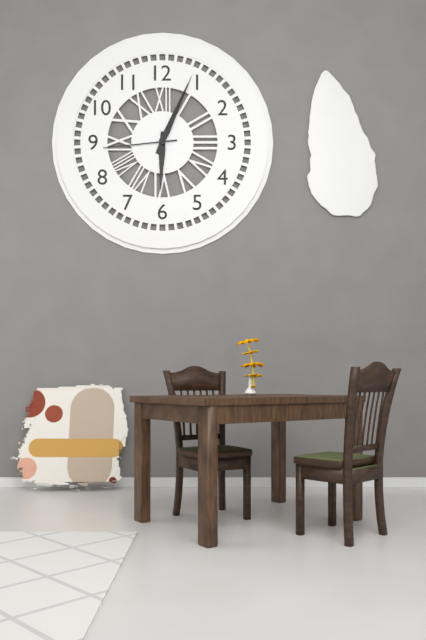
6:04:44
